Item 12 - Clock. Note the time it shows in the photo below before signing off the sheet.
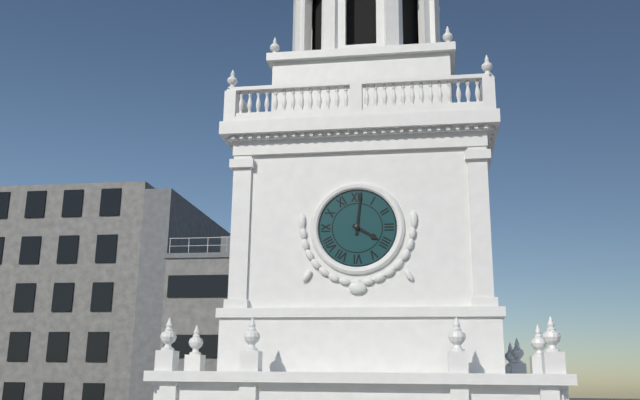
4:01
